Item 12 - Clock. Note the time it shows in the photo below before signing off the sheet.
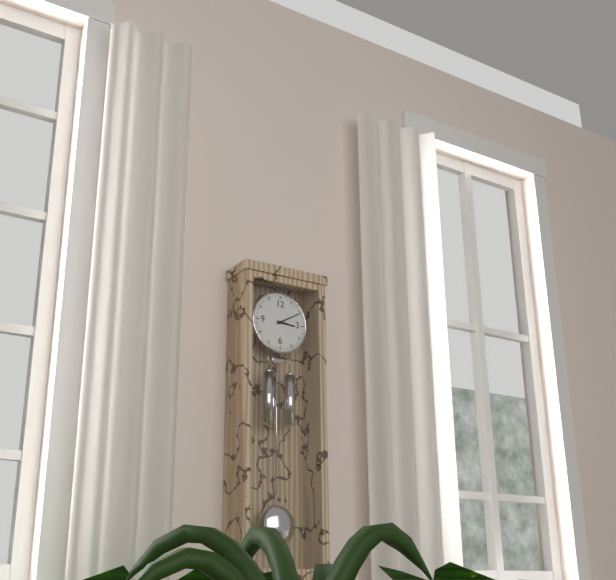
3:10
